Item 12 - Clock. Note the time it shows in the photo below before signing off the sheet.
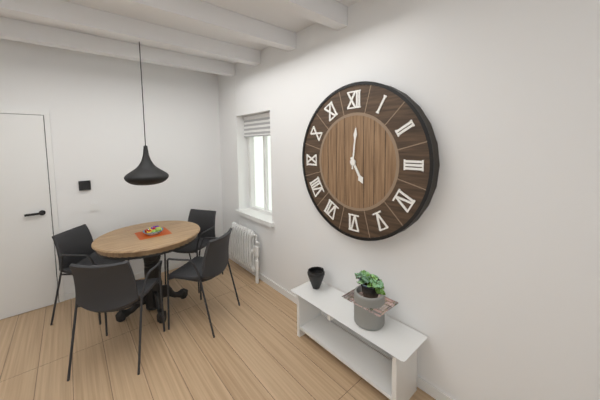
5:01
